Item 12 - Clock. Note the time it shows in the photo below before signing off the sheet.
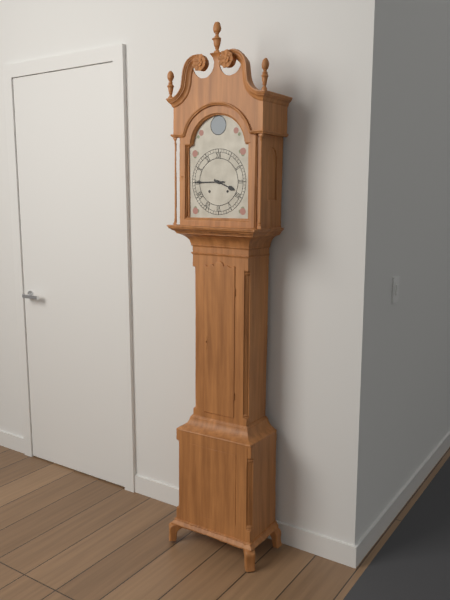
3:45
